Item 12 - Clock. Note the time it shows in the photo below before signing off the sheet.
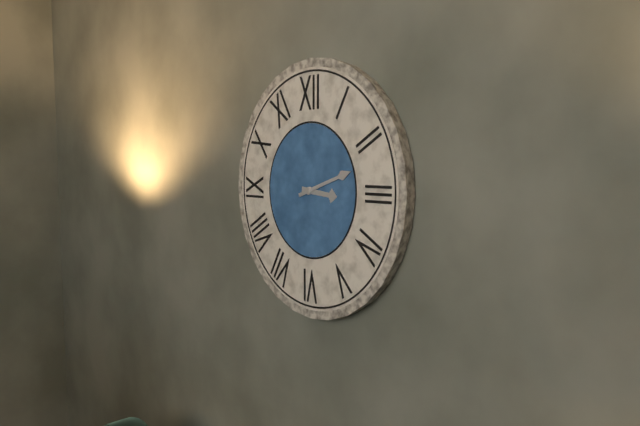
3:12
